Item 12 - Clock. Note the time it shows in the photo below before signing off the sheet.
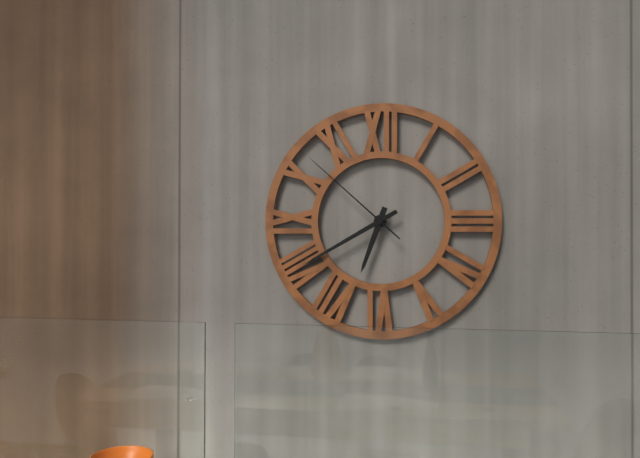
6:40:52
